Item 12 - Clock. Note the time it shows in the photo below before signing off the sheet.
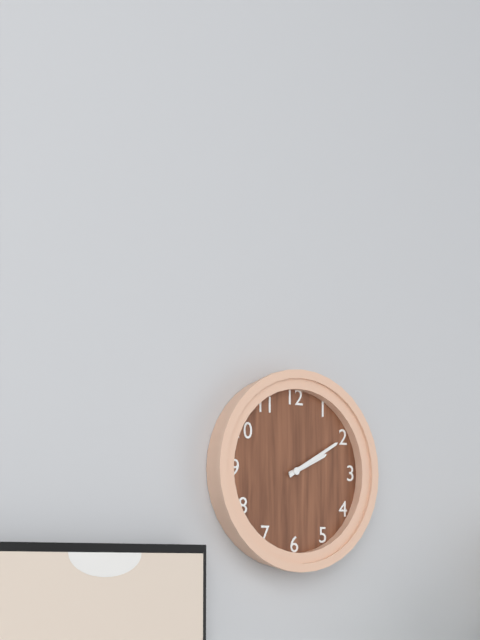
2:10
